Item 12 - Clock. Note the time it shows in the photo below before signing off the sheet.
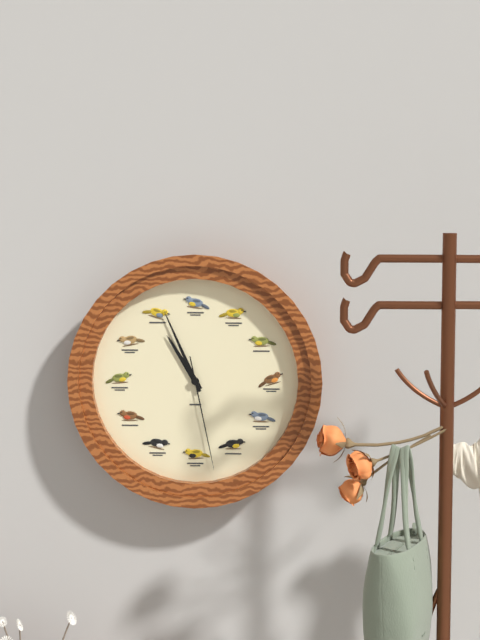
10:56:28
